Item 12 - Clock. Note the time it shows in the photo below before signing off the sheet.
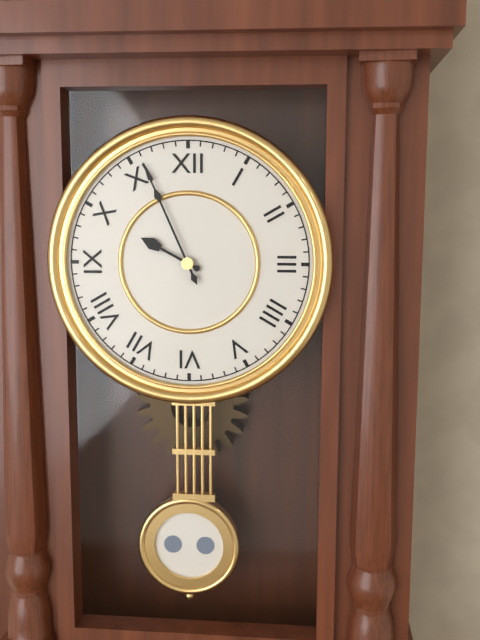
9:56
